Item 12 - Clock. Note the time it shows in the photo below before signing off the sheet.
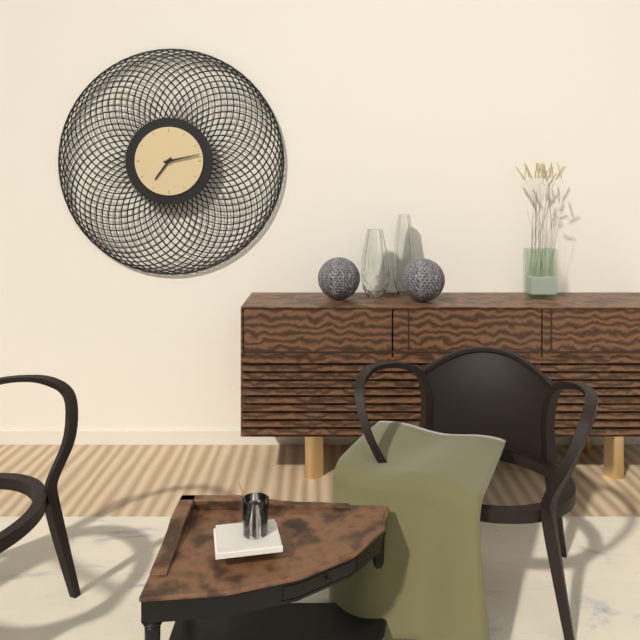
7:13
